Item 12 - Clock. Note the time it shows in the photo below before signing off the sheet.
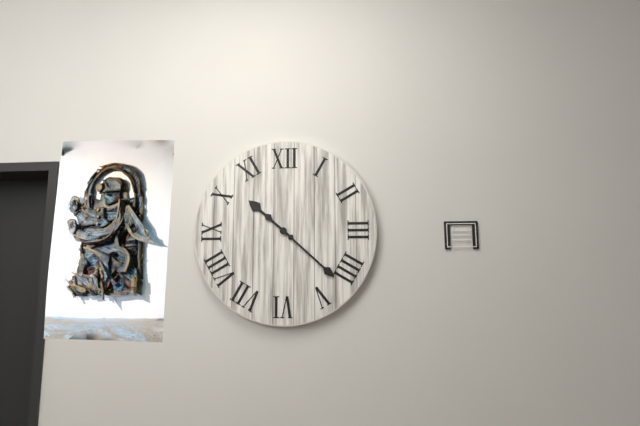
10:22
